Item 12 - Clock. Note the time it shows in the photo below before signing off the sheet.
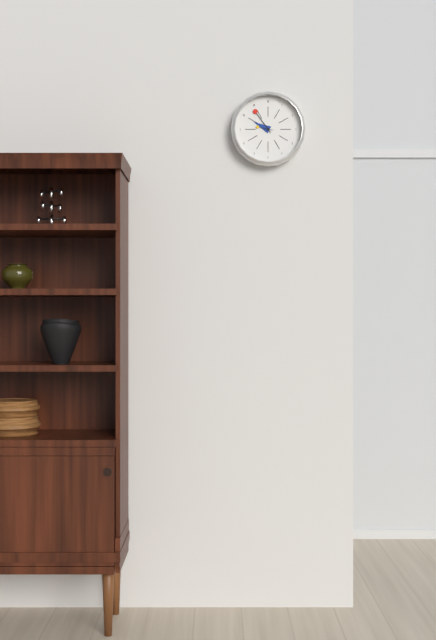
9:54
